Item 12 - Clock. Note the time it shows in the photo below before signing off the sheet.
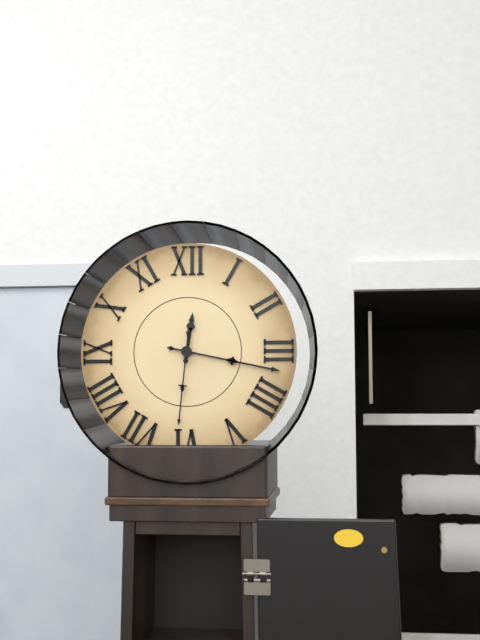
12:17:31
